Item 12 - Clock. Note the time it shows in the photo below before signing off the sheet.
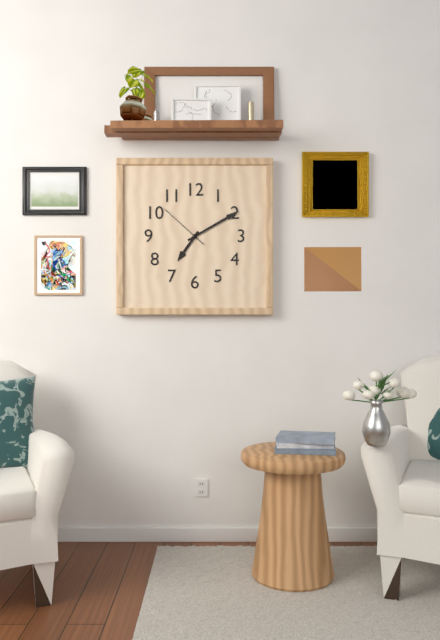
7:10:52
